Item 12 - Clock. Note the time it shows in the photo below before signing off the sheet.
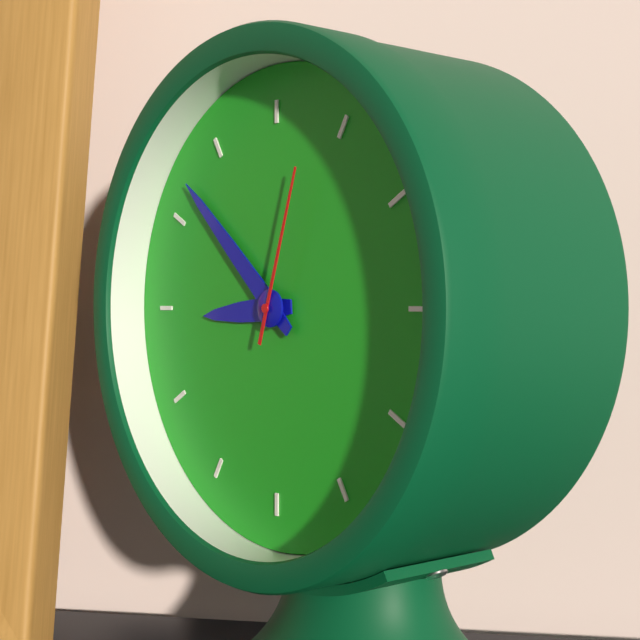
8:52:03
